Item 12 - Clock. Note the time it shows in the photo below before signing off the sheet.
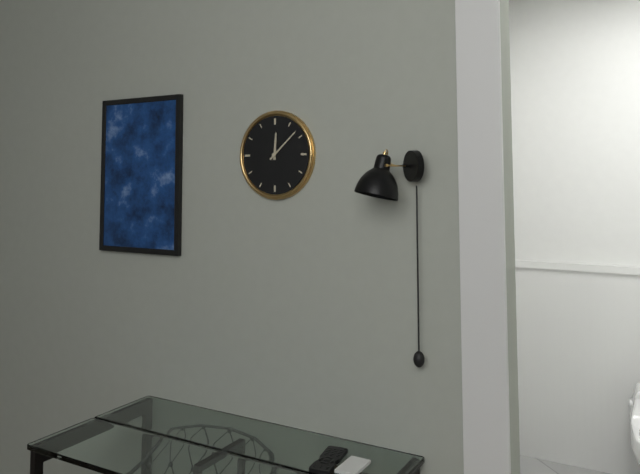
12:08
